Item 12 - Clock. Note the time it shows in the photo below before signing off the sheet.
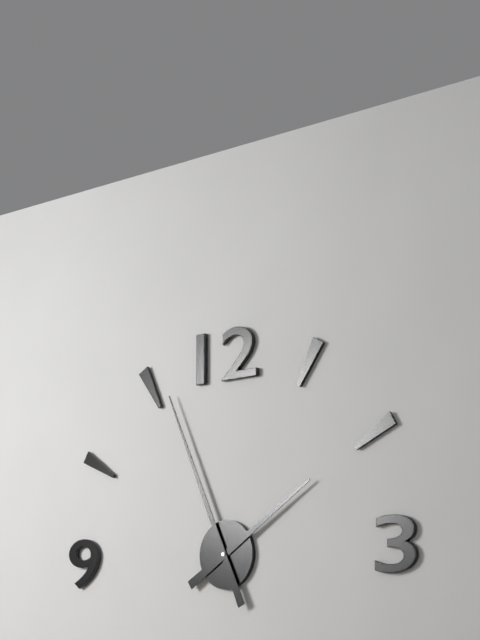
1:56
